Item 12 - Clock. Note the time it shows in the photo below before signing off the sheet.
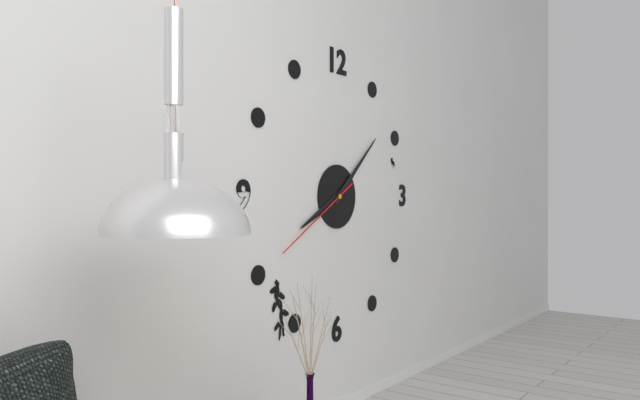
8:08:40
